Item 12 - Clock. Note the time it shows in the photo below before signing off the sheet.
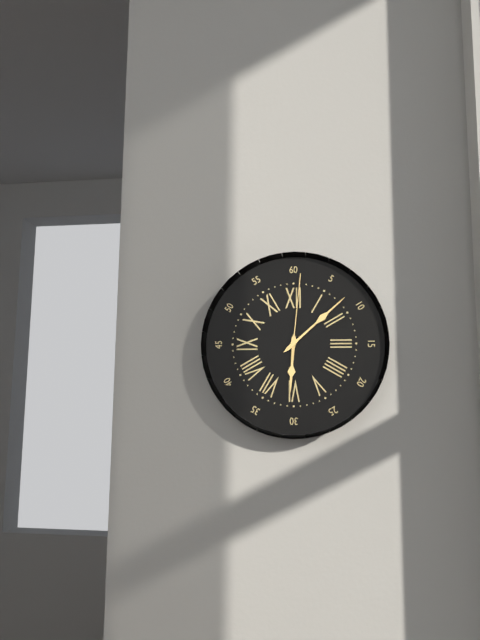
6:08:01
